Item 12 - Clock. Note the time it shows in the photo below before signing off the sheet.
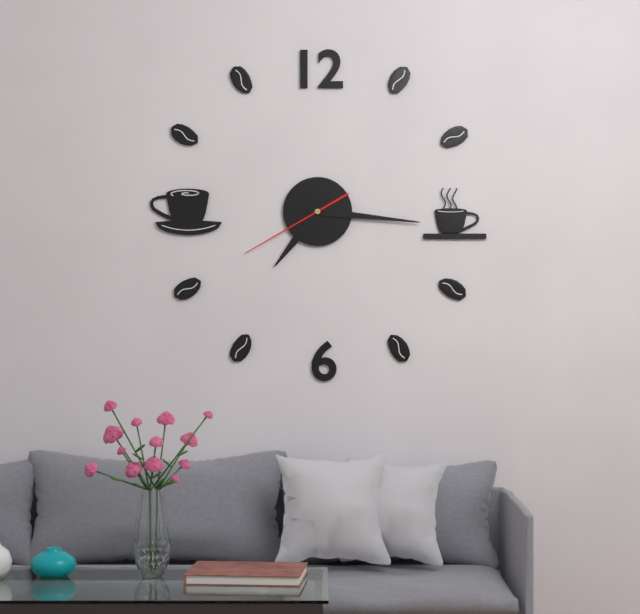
7:16:40
